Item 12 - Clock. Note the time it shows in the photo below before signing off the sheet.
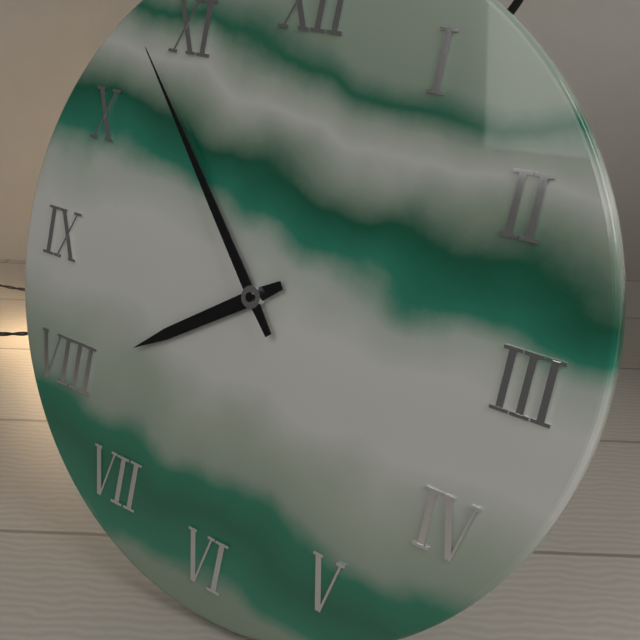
7:53
